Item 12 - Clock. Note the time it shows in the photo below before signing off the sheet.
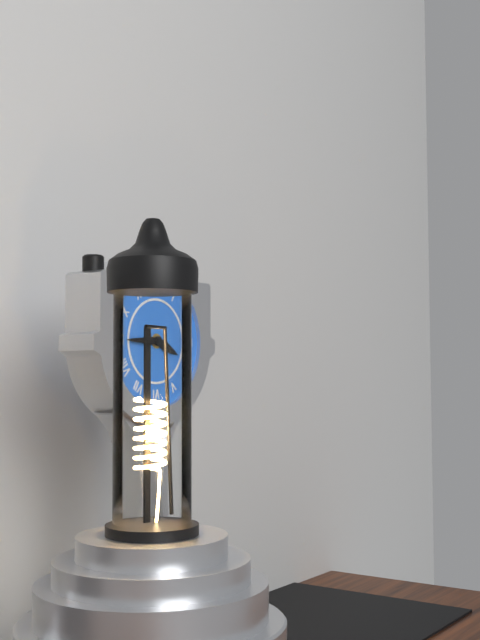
3:45
